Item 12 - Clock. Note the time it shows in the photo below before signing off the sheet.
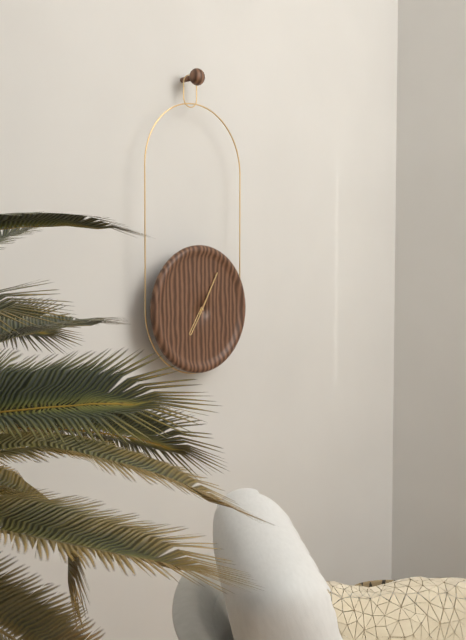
7:05
